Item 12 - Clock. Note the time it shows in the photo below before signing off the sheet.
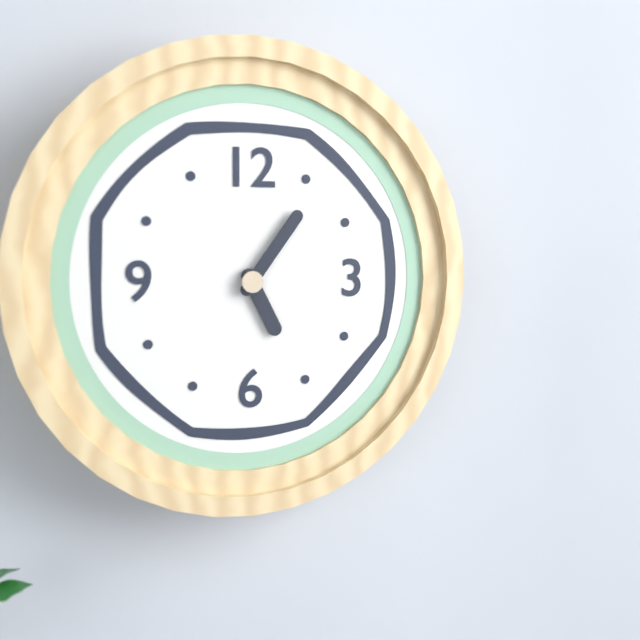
5:06
